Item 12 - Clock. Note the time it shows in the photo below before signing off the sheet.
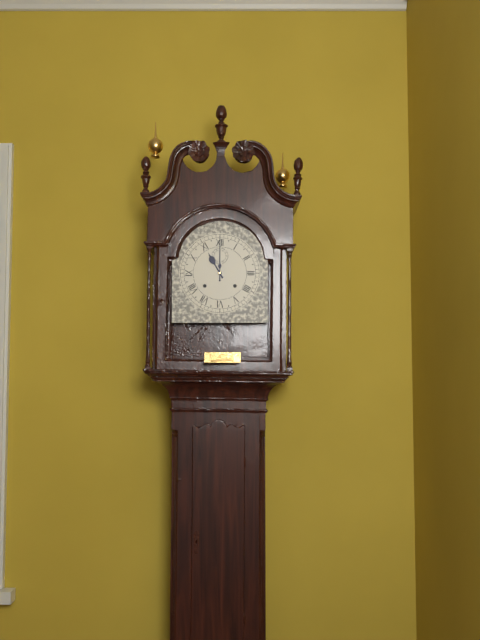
11:00
